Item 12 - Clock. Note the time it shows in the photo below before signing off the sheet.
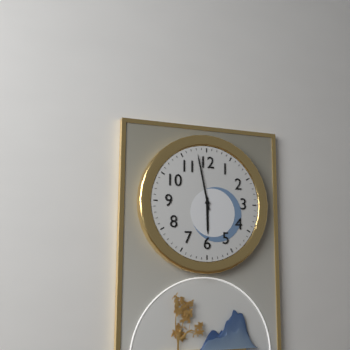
5:58
